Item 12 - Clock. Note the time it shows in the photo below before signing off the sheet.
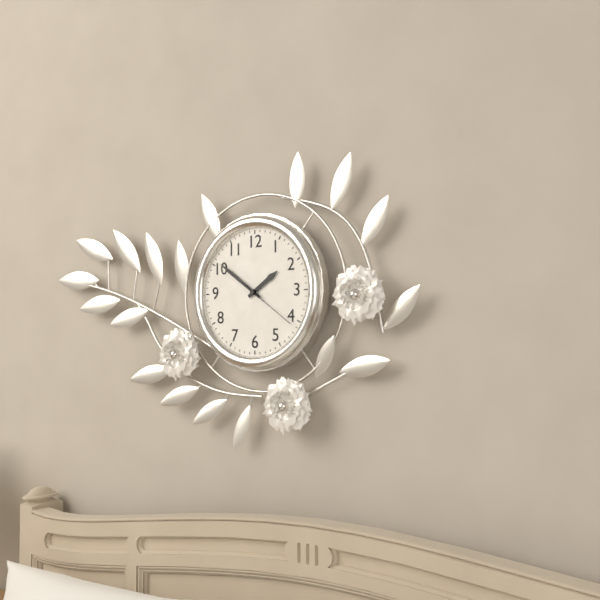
1:51:21
